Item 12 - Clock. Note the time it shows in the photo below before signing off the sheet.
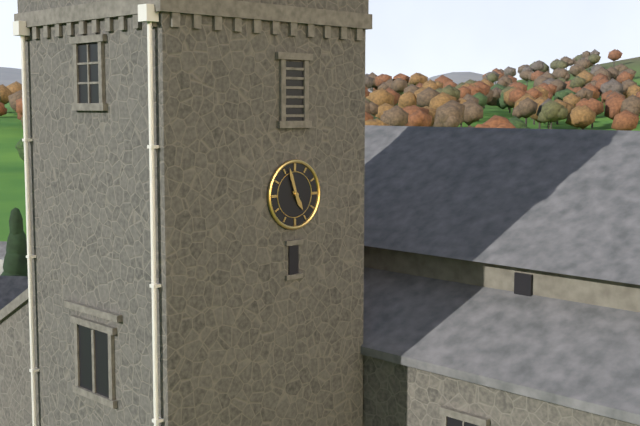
4:57
